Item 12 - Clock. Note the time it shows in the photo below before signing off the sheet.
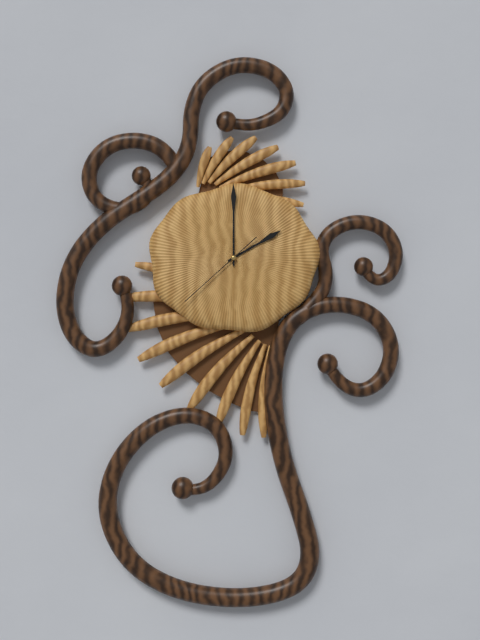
2:00:38
